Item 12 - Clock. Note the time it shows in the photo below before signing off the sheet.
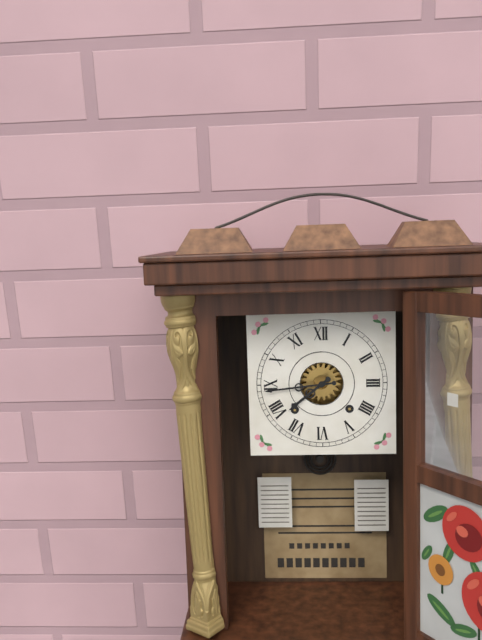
7:44
